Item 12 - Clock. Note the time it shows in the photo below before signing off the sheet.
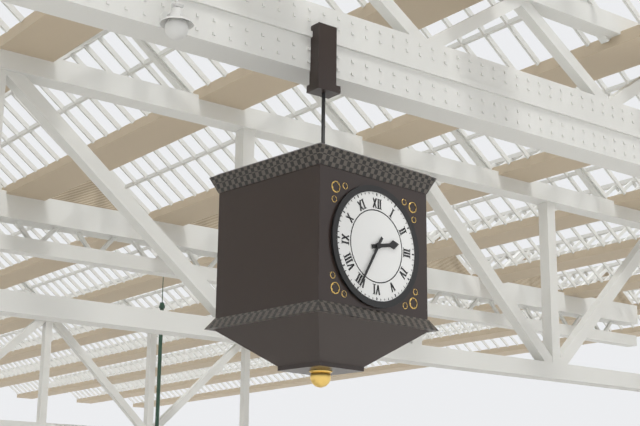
2:35
